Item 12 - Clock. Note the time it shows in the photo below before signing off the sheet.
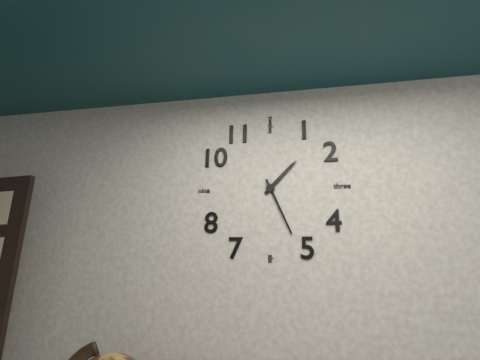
1:26
